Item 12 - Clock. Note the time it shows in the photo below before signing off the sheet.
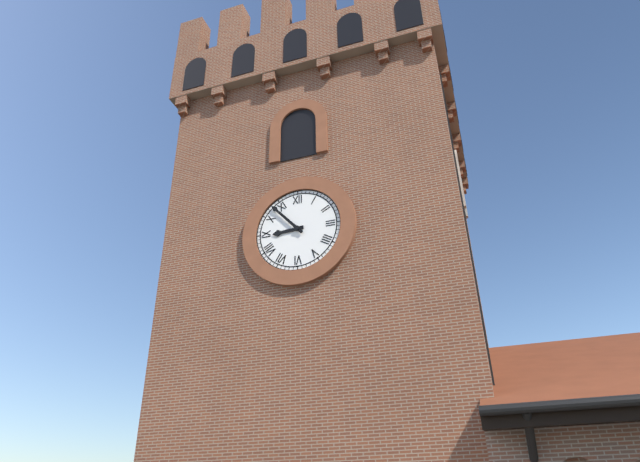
8:53
